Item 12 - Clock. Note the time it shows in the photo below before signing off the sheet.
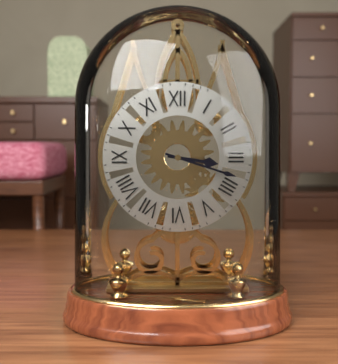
3:18
